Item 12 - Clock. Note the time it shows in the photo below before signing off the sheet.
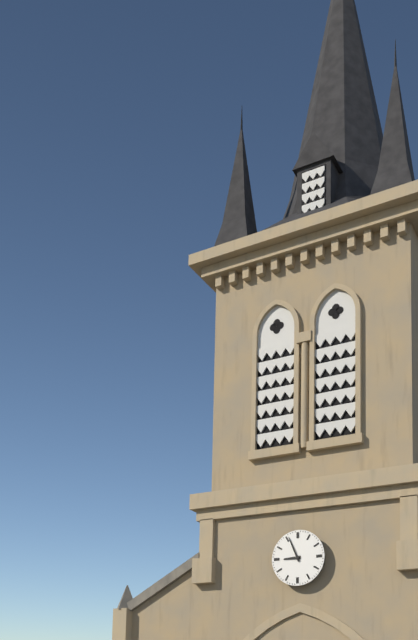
8:56
